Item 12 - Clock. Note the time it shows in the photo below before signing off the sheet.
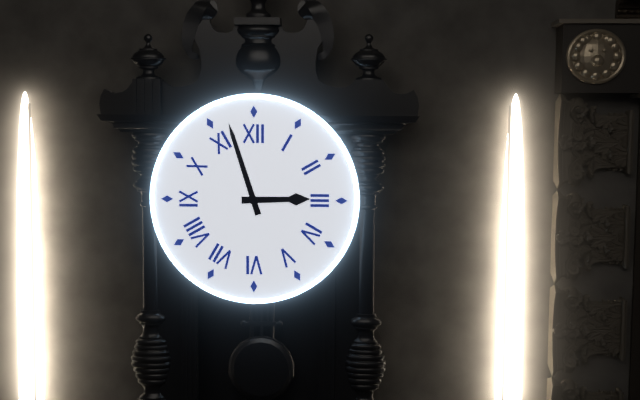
2:57
